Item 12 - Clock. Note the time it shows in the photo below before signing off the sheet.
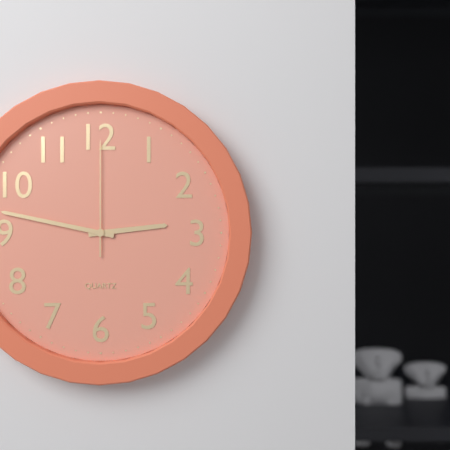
2:47:00
